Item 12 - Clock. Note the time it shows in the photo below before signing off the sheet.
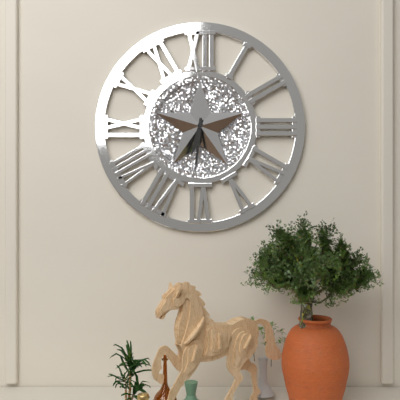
6:31
